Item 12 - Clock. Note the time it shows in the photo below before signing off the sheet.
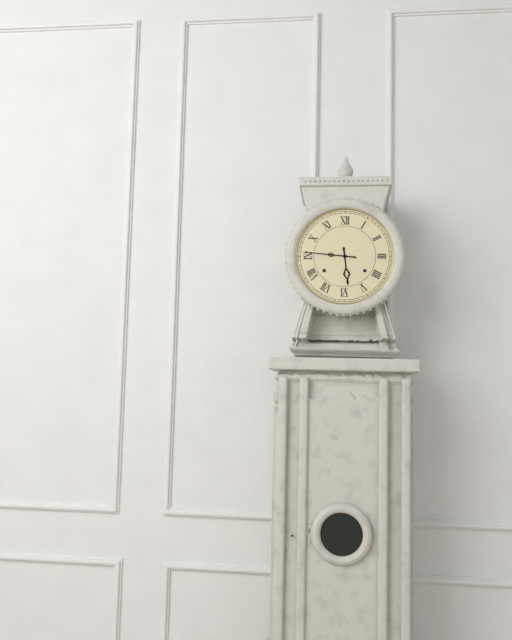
5:46
